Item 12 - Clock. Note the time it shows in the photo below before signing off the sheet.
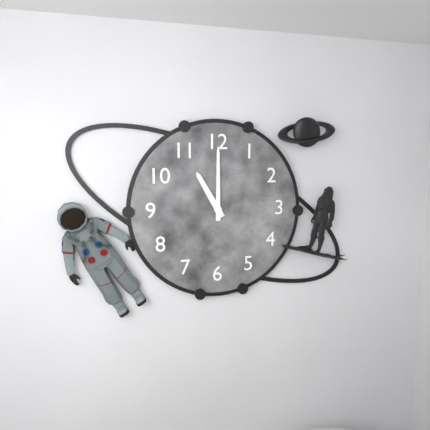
11:00
